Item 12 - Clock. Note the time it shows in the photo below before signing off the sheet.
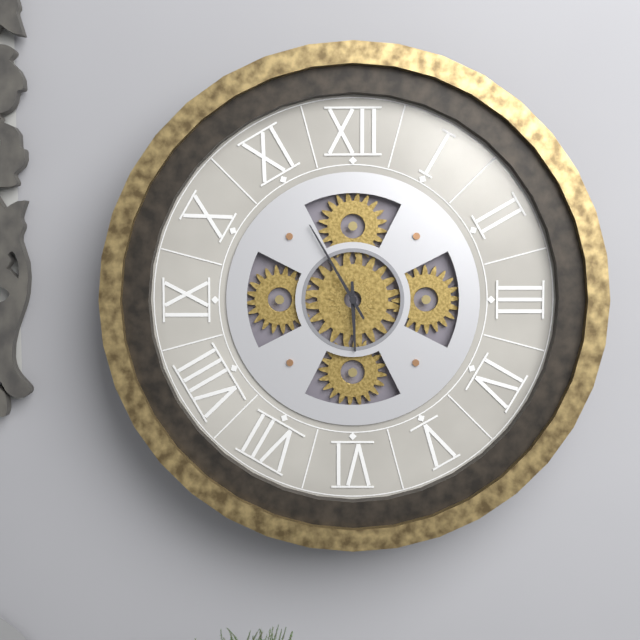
5:55
